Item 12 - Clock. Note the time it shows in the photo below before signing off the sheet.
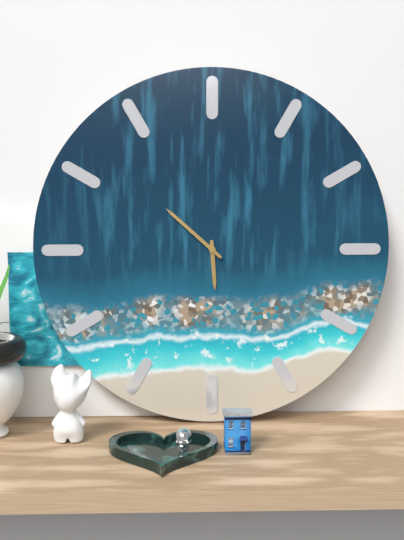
5:52
